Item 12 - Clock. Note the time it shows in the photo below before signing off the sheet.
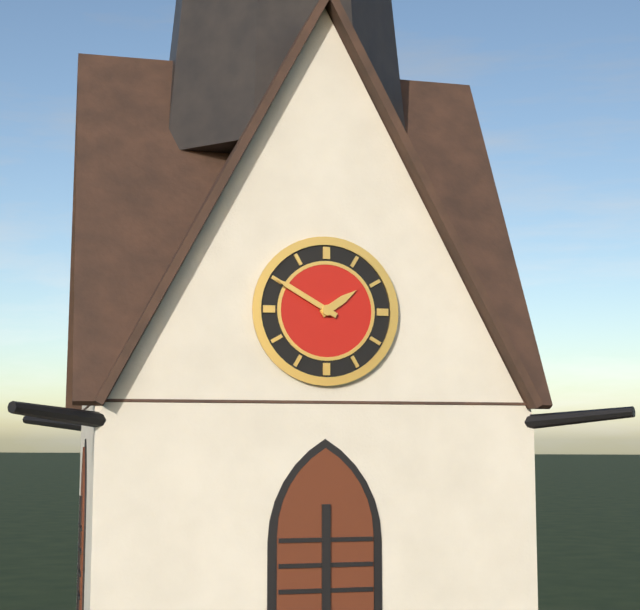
1:50
